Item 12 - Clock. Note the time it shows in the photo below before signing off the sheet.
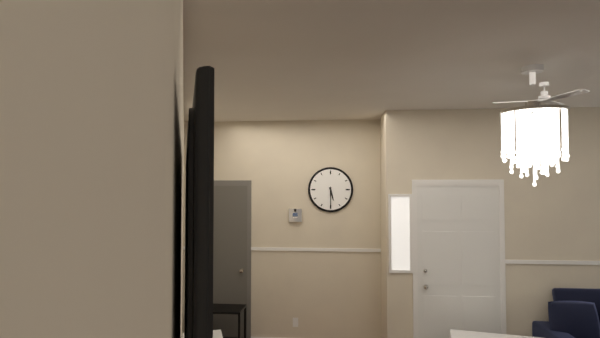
5:30
